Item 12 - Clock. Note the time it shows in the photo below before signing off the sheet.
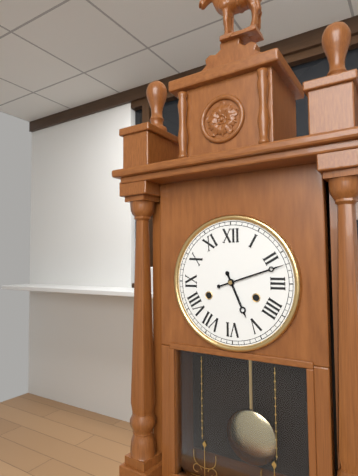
5:12
